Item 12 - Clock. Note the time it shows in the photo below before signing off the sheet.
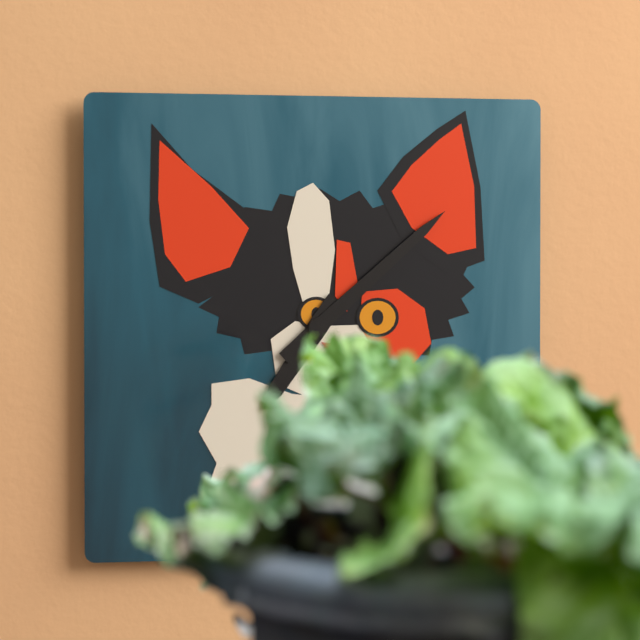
7:08
